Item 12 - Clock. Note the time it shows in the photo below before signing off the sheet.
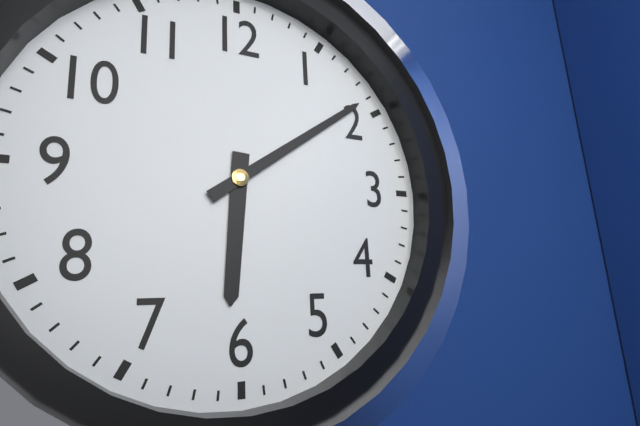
6:09
